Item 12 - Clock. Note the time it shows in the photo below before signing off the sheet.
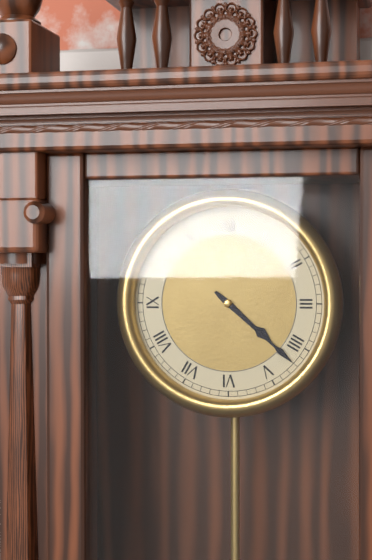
4:22
